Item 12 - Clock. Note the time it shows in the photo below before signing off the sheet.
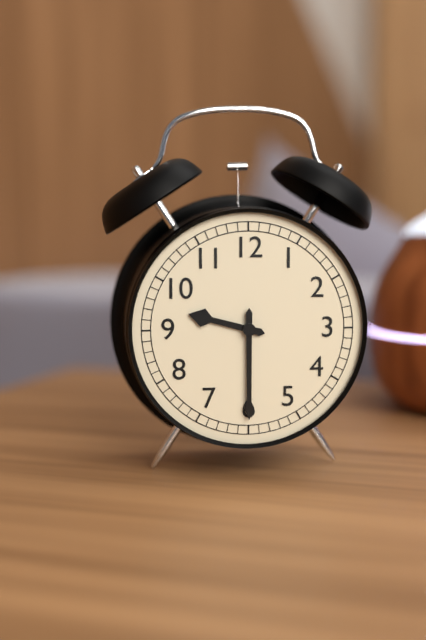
9:30
